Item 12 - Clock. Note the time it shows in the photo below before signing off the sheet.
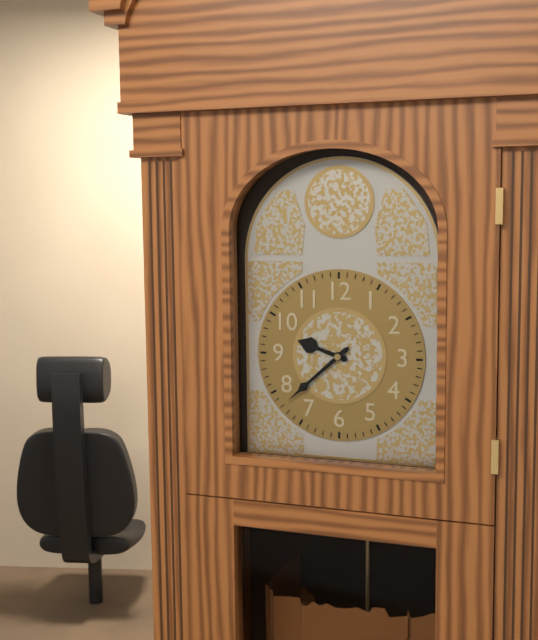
9:38
